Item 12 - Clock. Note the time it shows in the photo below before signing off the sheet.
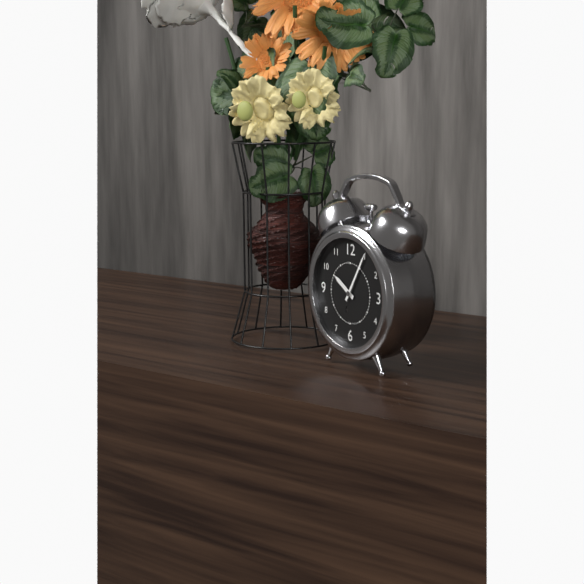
10:05
